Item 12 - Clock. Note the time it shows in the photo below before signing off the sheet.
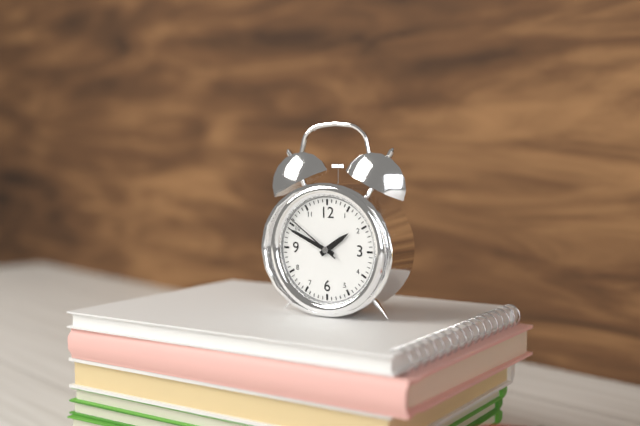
1:49:51
